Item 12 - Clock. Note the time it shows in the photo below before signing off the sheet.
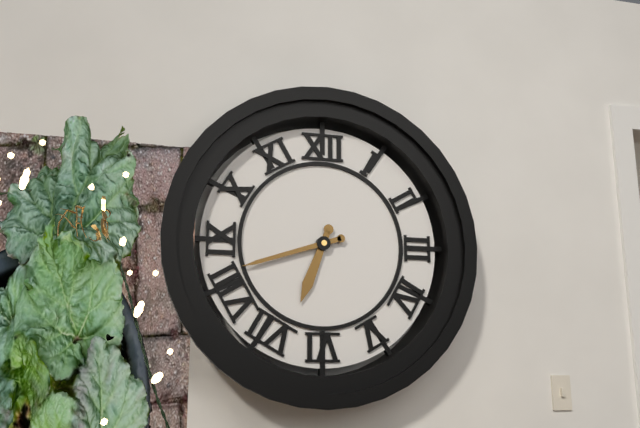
6:42
